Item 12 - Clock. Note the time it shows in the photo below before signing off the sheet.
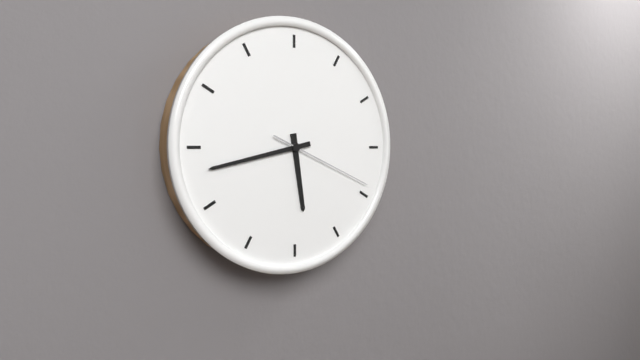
5:43:19
